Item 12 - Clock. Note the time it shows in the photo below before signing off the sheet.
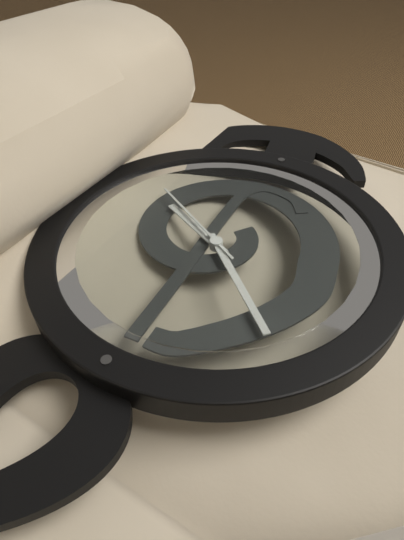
3:52:20
